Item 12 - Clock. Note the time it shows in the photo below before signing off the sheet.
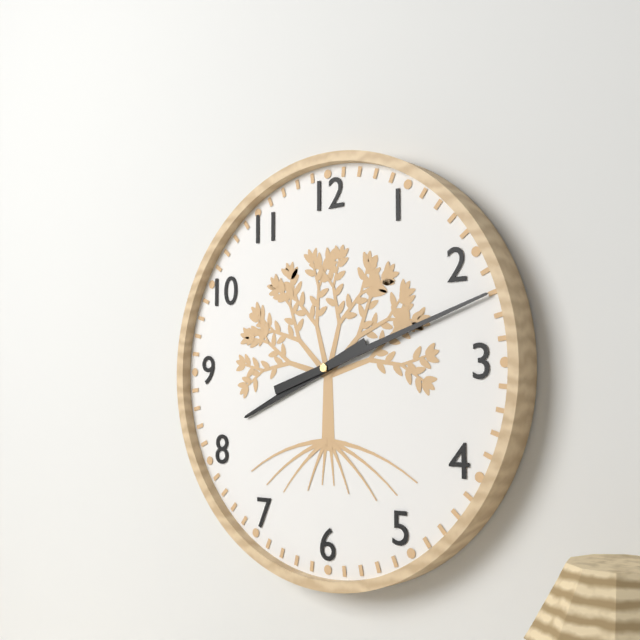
8:12
